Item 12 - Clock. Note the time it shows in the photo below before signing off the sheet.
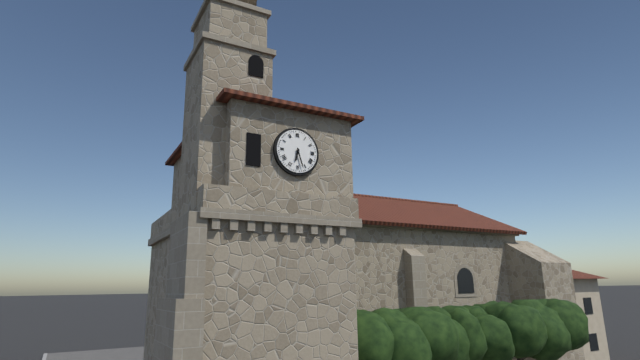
6:27
